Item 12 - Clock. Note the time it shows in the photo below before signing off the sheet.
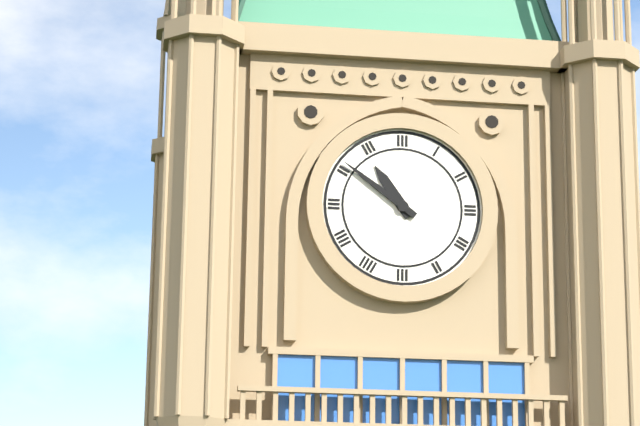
10:51
